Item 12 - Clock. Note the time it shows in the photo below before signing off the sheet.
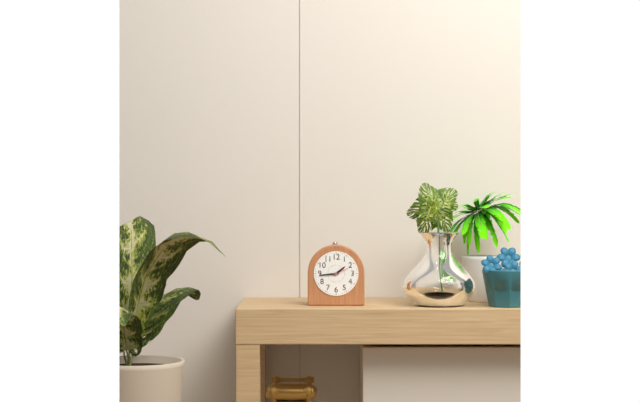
1:44
